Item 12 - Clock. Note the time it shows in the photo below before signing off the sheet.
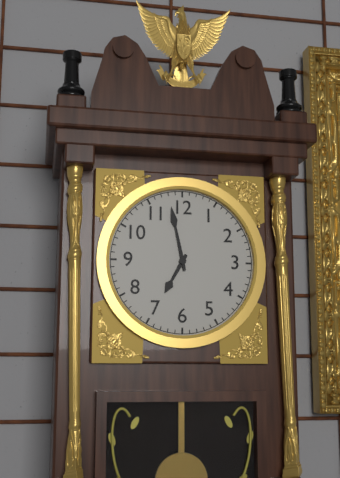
6:58
